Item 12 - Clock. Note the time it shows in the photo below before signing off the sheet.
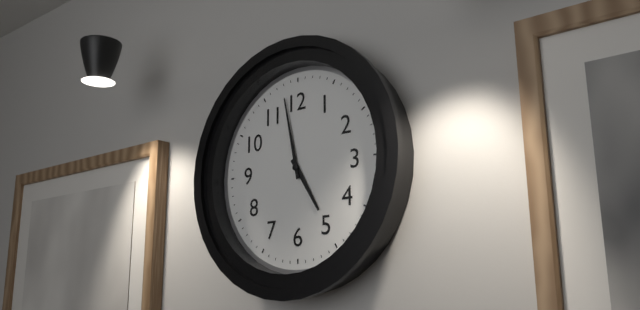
4:58
